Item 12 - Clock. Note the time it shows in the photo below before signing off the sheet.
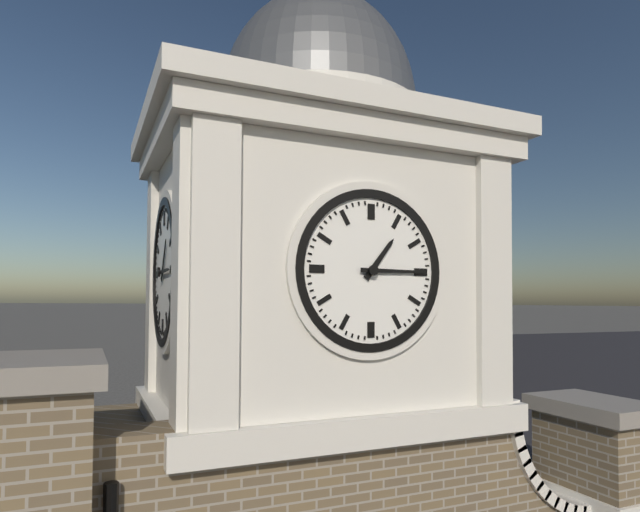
1:15
